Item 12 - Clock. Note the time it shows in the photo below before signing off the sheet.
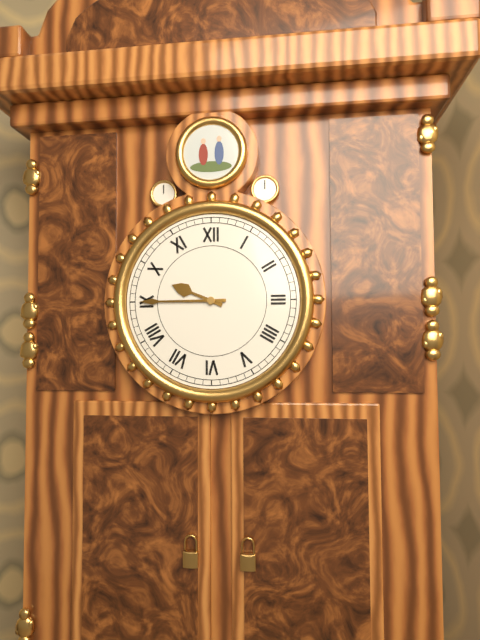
9:45
